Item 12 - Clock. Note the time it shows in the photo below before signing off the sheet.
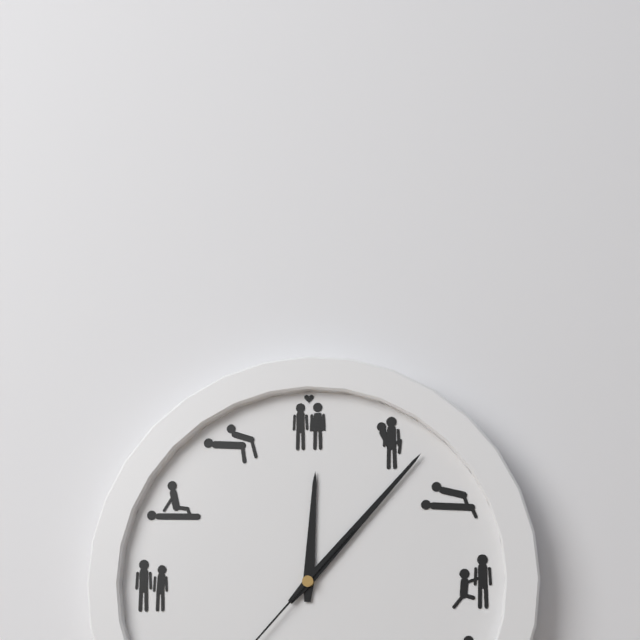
12:07
